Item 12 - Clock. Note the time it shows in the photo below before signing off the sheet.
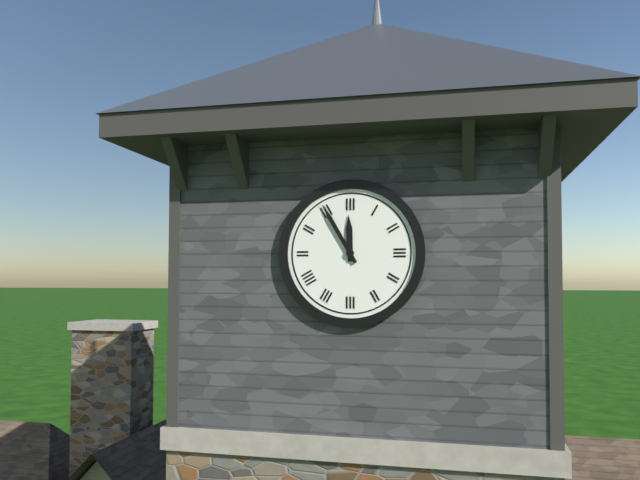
11:55
